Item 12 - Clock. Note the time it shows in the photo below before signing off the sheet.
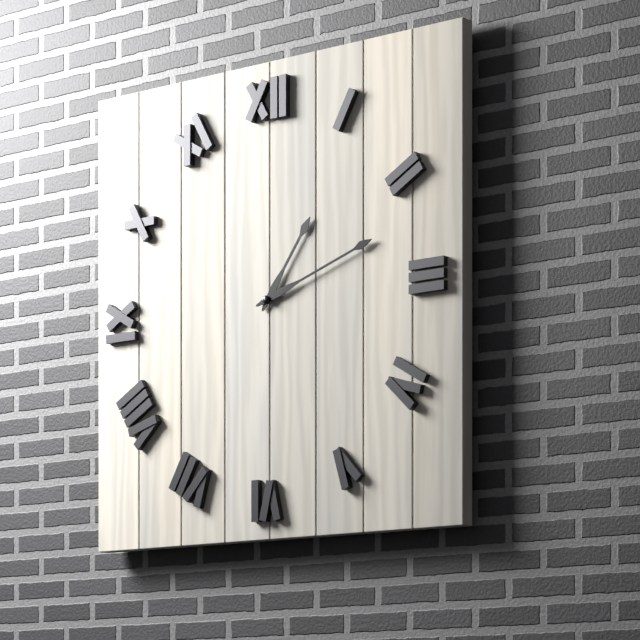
1:12
